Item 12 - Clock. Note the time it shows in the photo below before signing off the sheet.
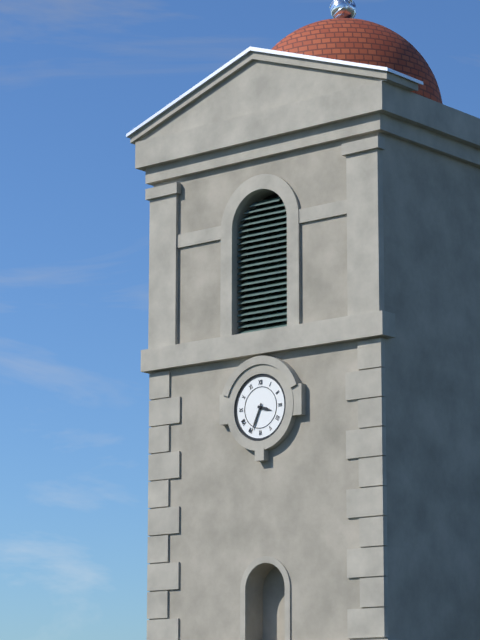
3:34
